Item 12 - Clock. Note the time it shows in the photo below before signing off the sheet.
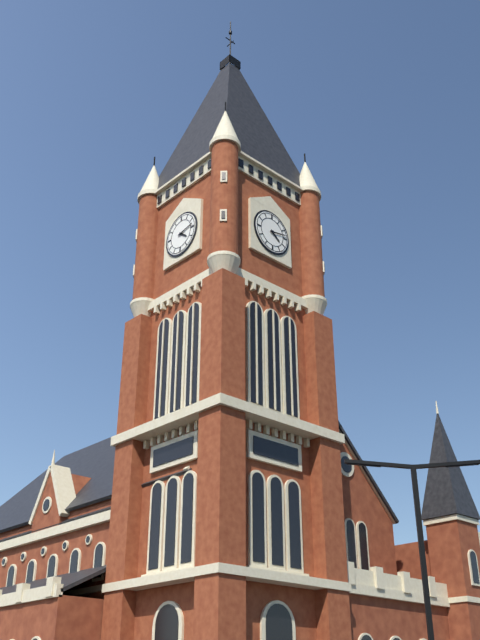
4:13
